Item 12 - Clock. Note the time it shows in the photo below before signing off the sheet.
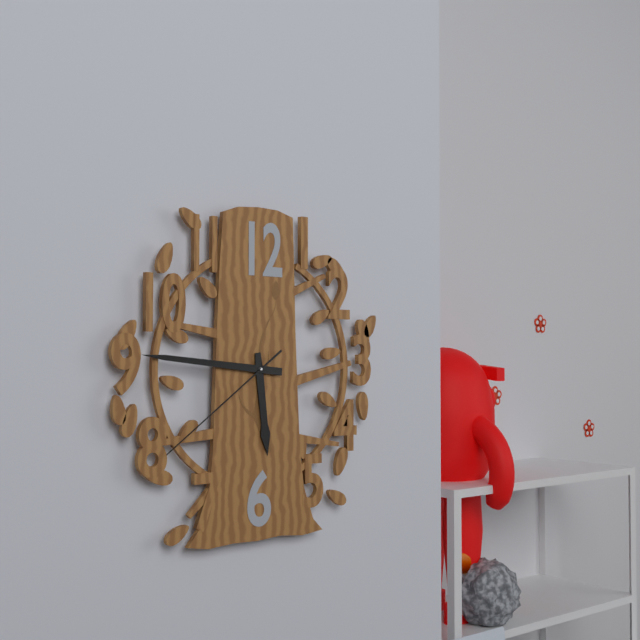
5:46:39
